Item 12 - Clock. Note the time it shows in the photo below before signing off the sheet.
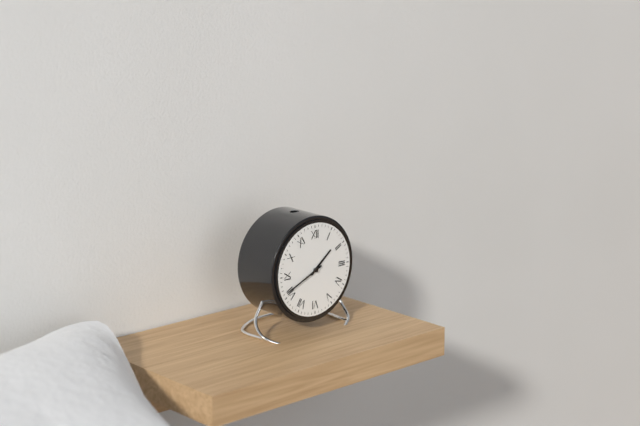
1:41
